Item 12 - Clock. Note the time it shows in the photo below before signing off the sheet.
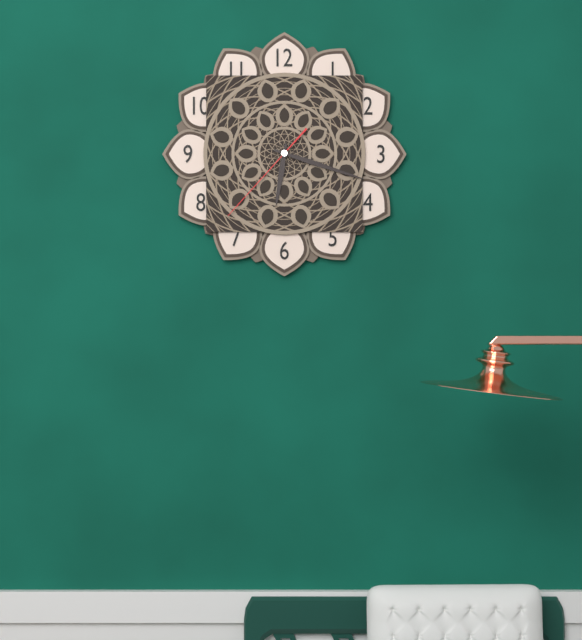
6:18:37
